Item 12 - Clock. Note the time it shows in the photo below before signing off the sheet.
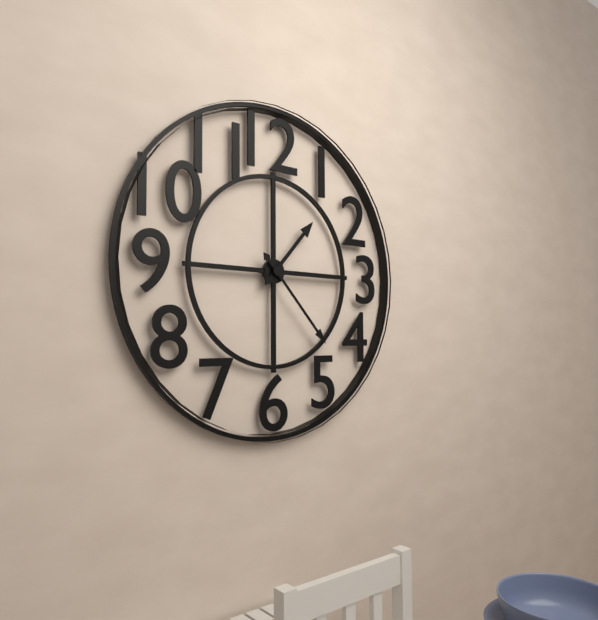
1:23
